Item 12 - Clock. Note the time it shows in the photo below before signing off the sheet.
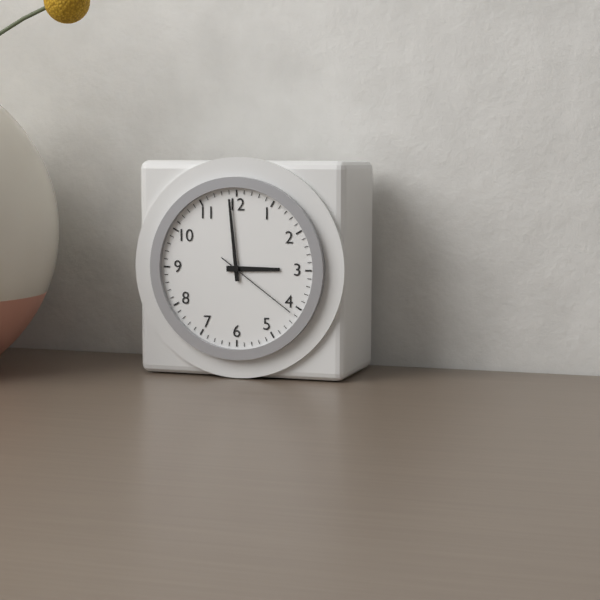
2:59:21
